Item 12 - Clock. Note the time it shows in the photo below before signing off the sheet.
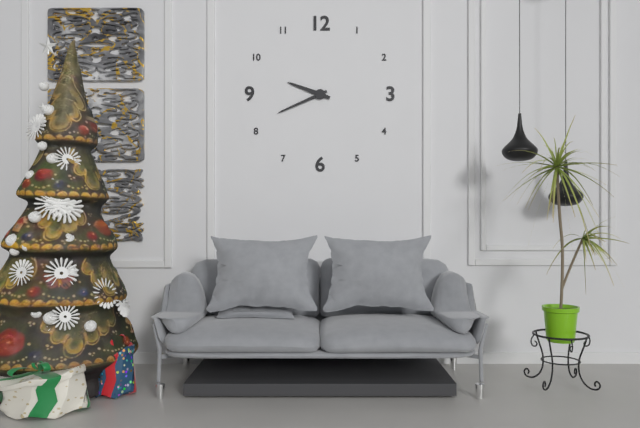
9:41
